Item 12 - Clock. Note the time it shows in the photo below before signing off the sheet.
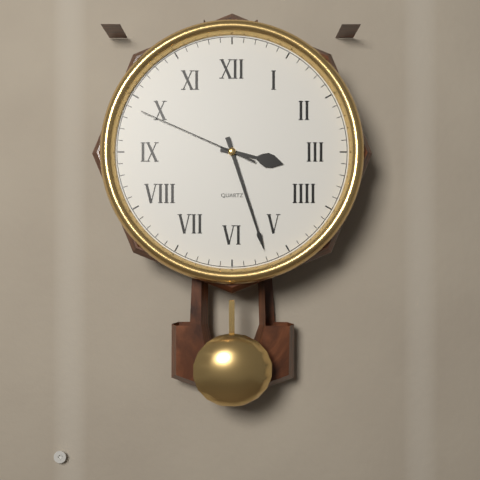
3:27:49
